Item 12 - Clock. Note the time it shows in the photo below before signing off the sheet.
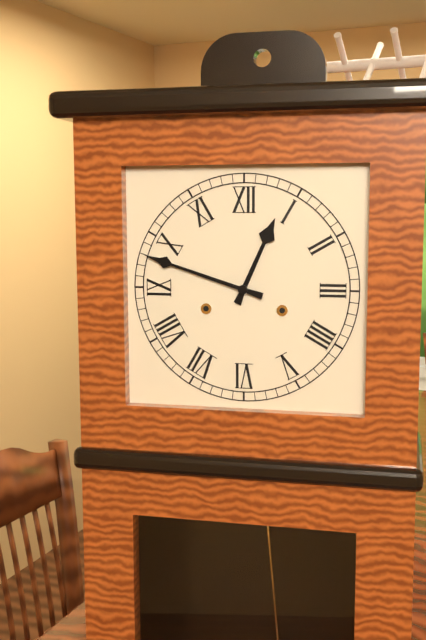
12:48
